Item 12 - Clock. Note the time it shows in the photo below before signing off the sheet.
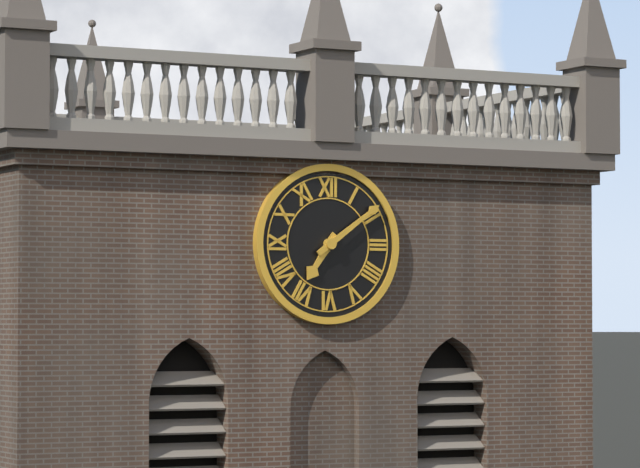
7:09
